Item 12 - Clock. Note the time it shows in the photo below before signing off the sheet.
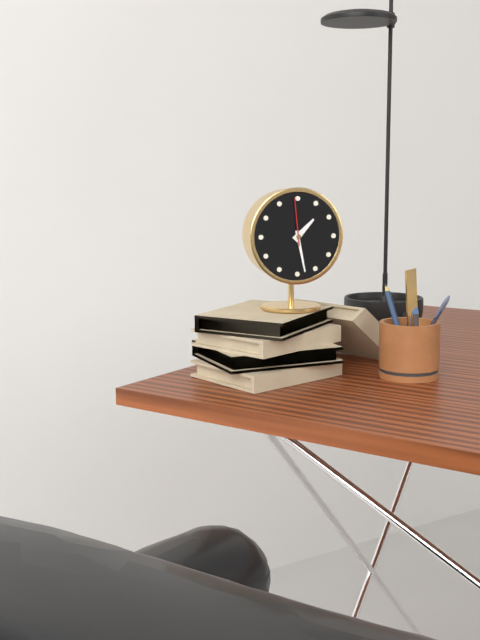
1:28
